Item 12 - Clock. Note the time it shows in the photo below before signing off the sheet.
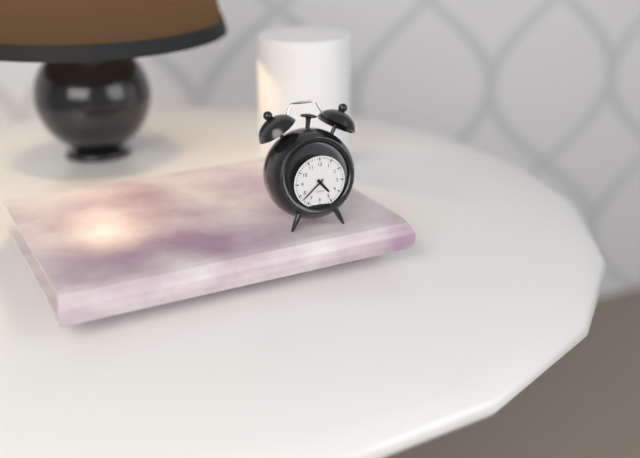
4:38
